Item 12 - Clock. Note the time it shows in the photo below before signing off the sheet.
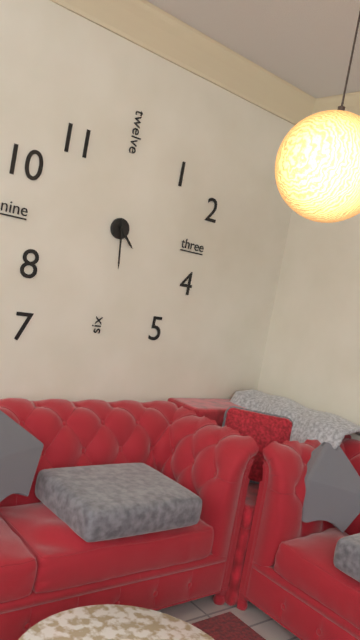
4:29
